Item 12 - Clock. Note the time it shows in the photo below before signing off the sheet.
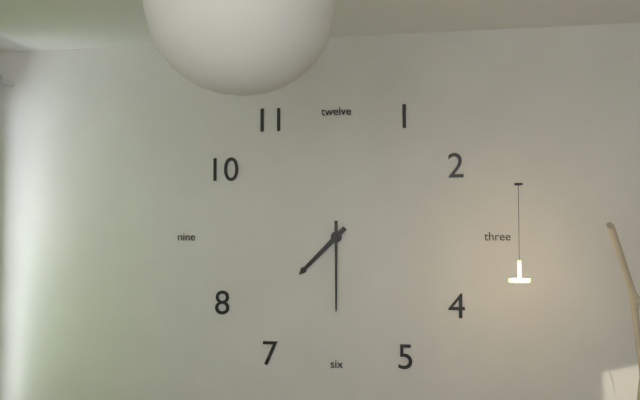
7:30
